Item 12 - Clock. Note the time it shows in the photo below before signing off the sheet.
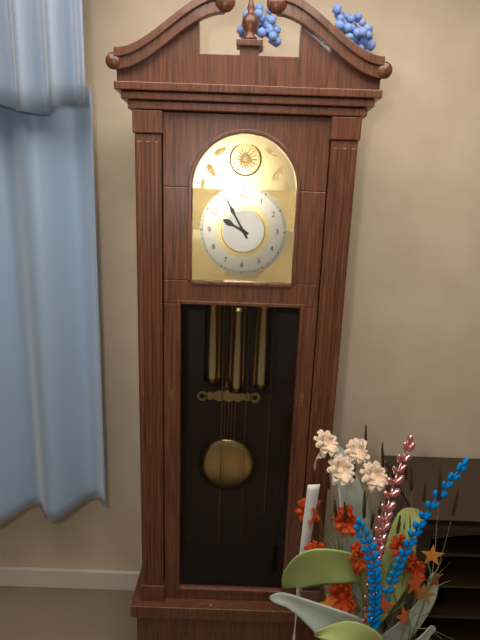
9:55
